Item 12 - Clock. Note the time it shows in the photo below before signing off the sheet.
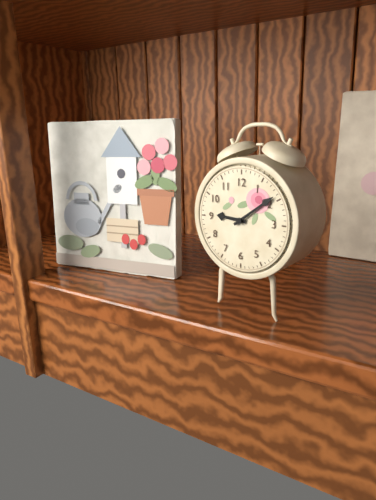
9:09
